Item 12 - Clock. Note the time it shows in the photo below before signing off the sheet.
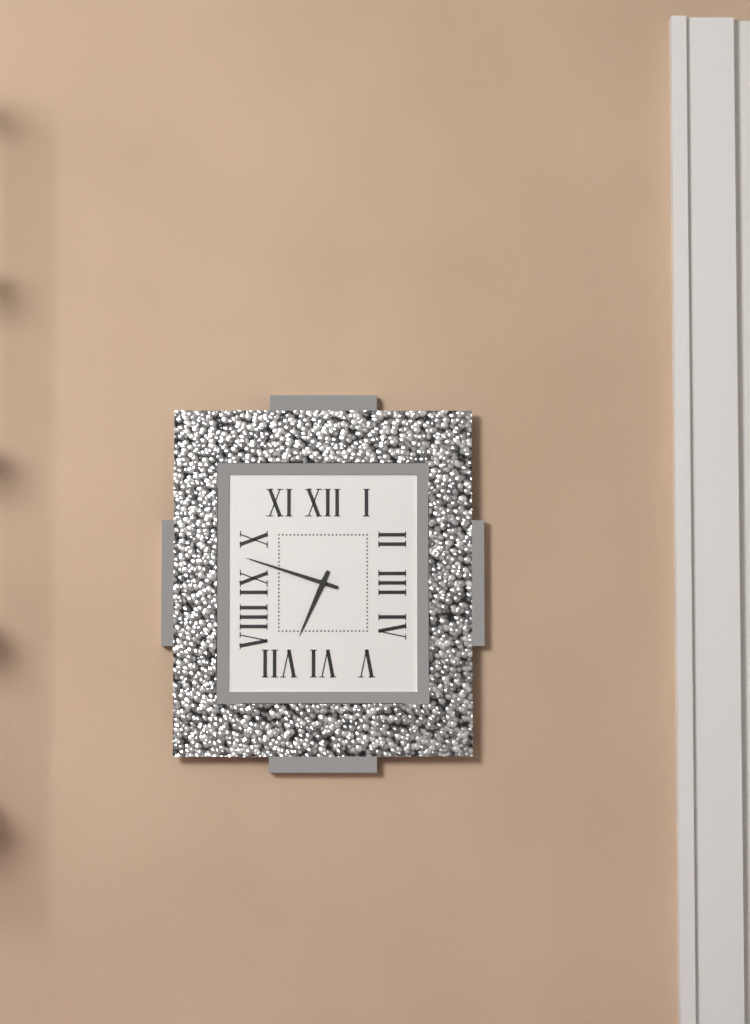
6:48
